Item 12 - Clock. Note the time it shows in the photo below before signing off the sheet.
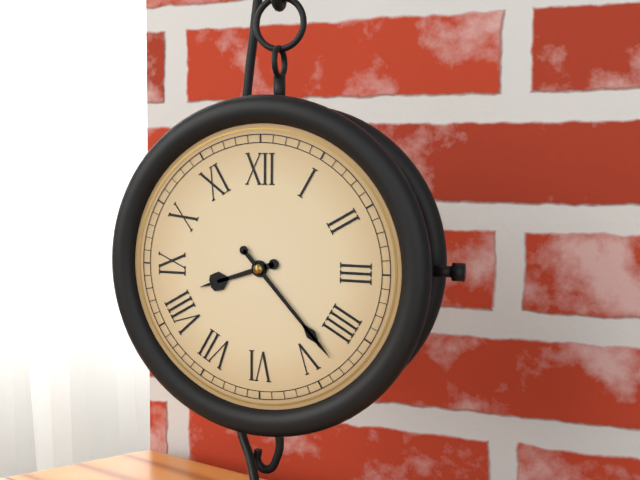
8:23
